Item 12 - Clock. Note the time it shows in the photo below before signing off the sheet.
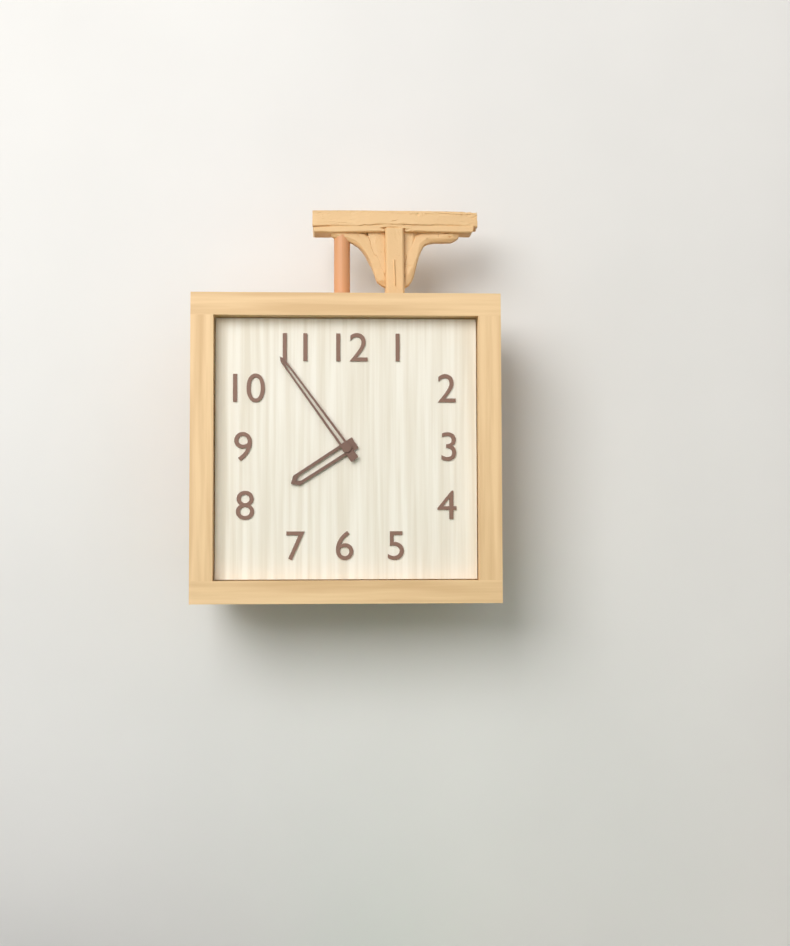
7:54
